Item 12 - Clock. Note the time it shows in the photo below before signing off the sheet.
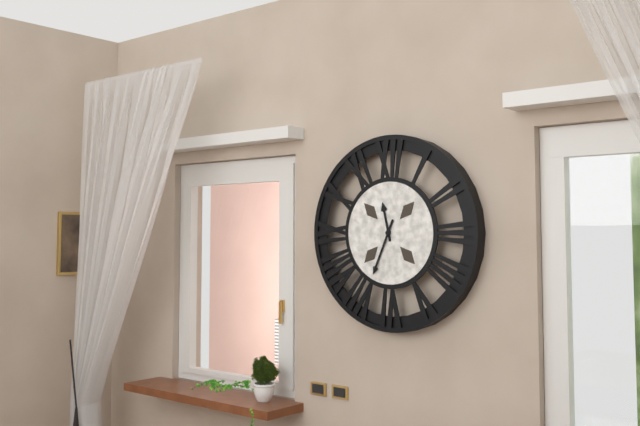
11:34
